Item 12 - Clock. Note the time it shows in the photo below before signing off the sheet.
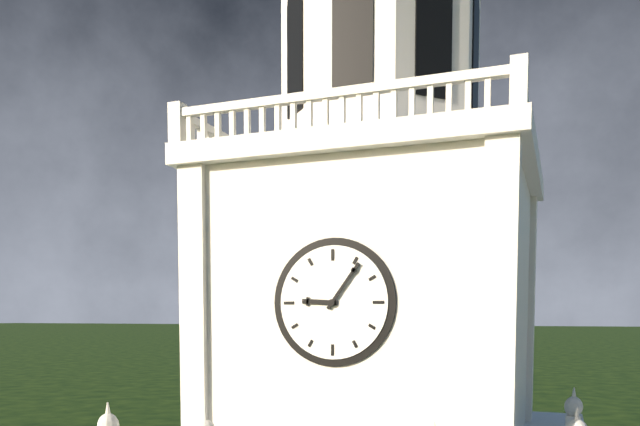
9:06
